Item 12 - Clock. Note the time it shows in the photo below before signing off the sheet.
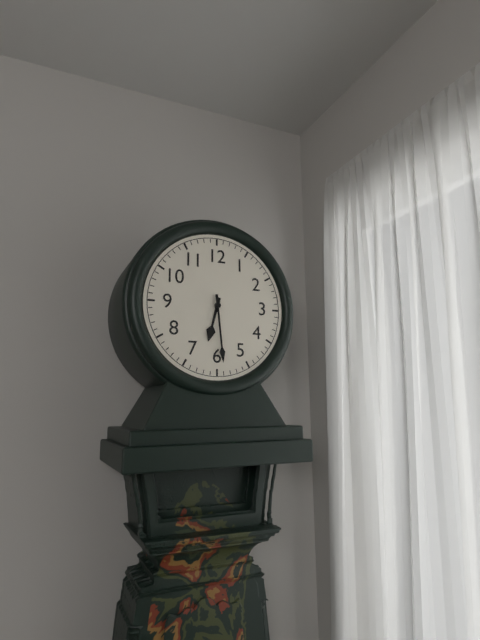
6:29
